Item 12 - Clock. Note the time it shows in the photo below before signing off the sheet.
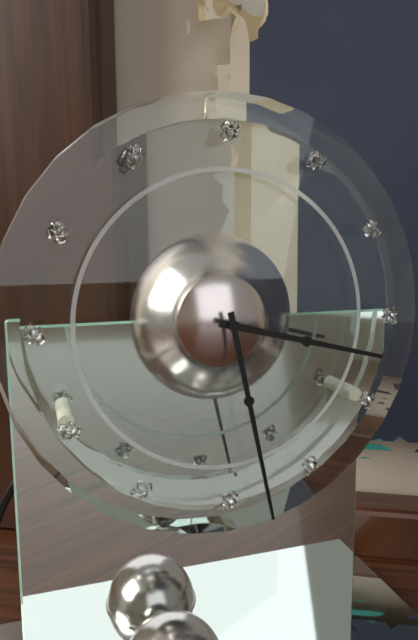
3:28
